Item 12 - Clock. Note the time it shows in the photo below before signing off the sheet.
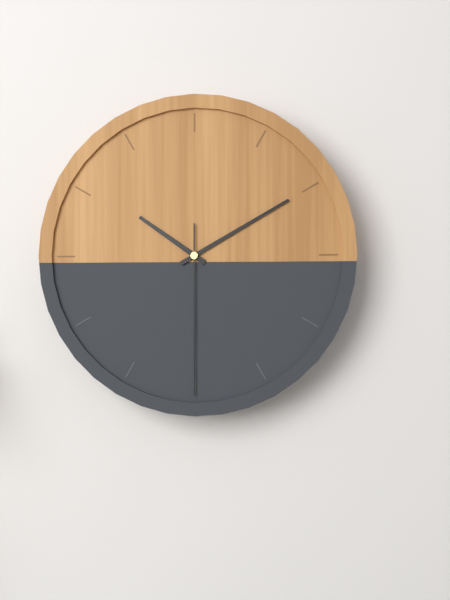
10:10:30
